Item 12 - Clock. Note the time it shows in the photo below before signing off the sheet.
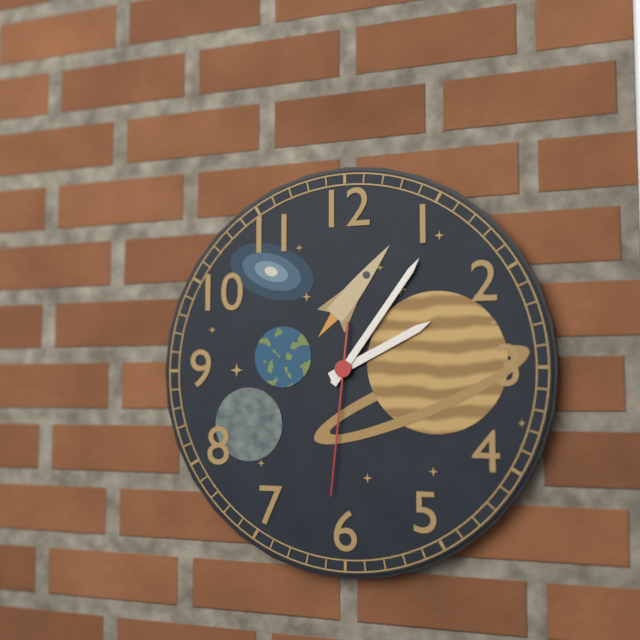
2:06:31
